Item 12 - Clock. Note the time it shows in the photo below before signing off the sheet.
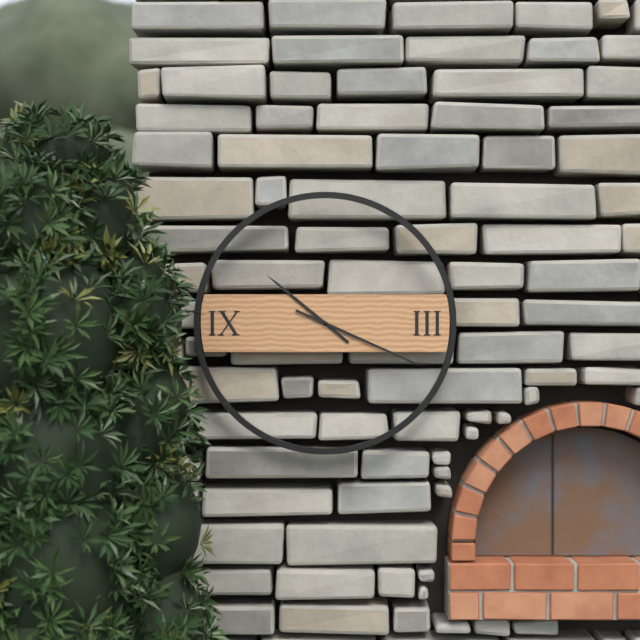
10:19
